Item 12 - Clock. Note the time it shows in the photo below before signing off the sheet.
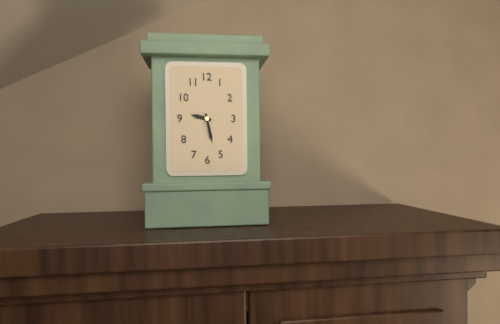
9:28
